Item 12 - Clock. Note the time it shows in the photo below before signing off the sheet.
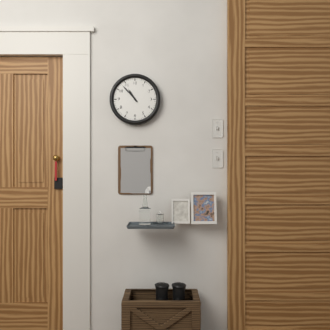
10:53
